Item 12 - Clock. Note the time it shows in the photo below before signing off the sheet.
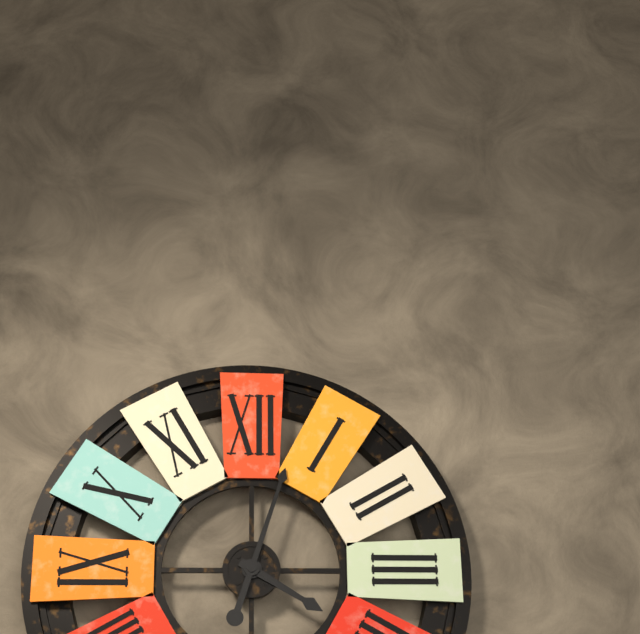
4:03
